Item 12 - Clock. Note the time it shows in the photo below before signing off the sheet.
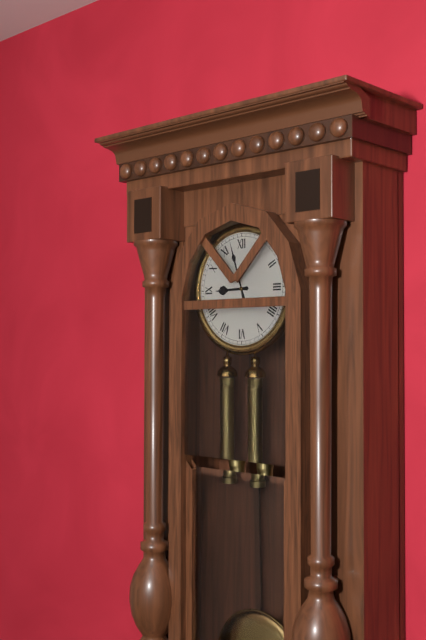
8:57
